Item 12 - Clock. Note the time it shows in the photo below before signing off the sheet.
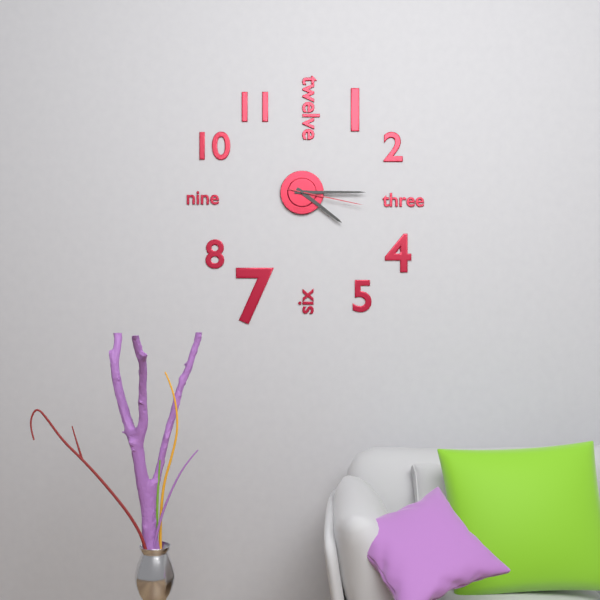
4:15:17
